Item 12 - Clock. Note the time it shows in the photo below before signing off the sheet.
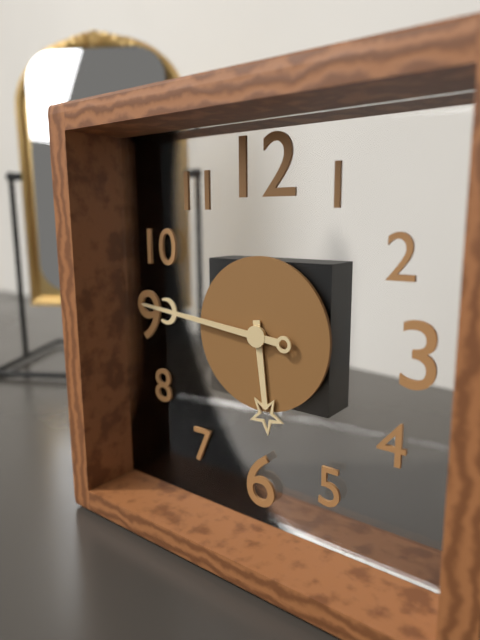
5:46
